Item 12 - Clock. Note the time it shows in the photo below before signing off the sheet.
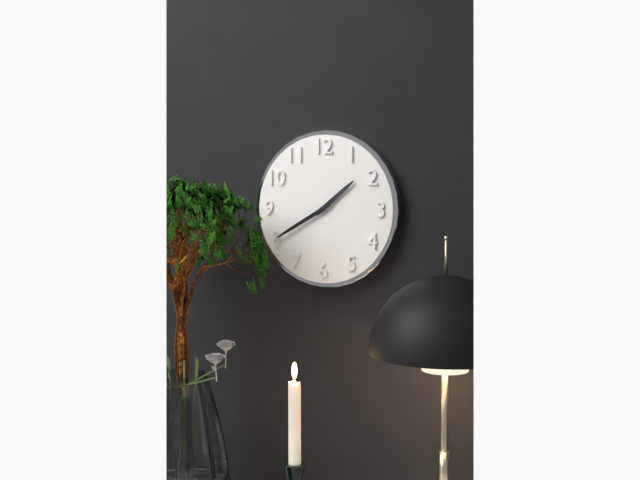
1:40
